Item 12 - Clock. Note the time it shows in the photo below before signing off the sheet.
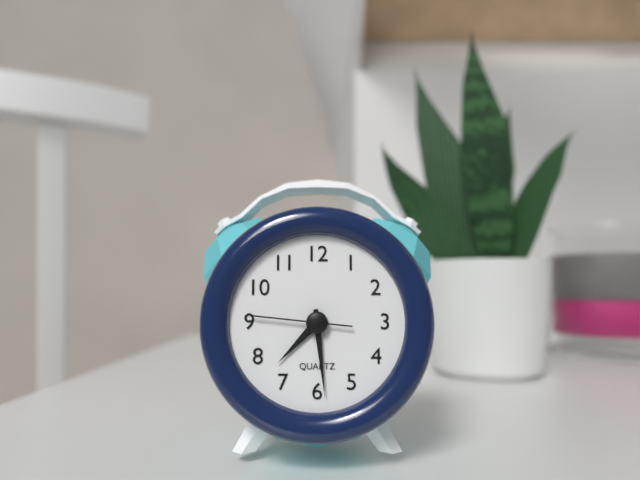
7:29:46
